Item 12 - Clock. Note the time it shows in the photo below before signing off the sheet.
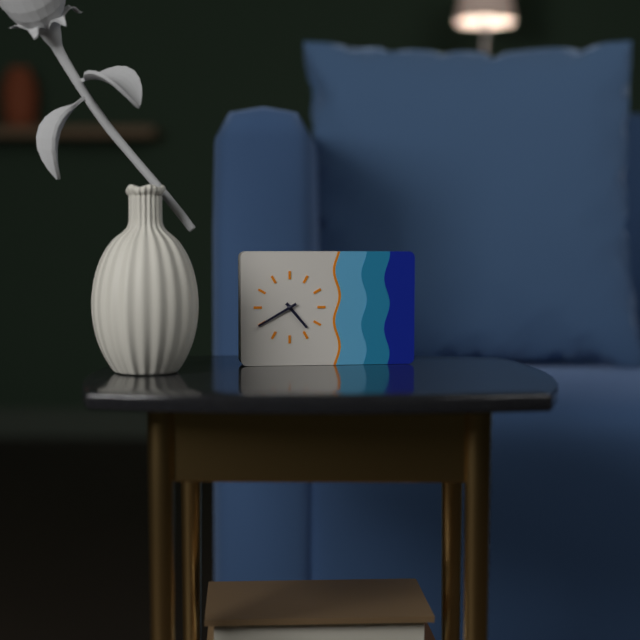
4:40
